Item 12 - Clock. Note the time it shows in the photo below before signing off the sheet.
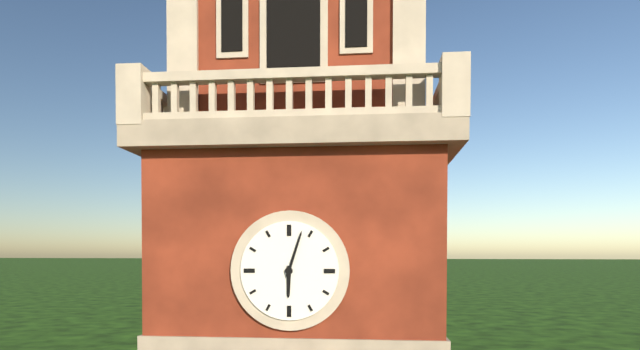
6:03
